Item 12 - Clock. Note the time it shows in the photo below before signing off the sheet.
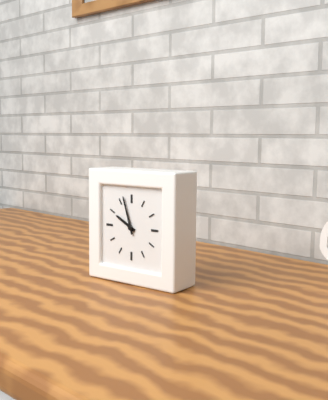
9:57
